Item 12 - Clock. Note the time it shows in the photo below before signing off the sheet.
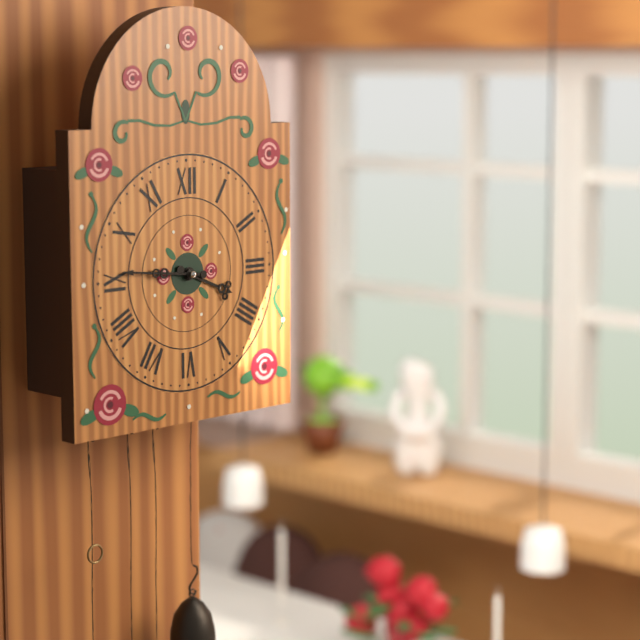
3:46
